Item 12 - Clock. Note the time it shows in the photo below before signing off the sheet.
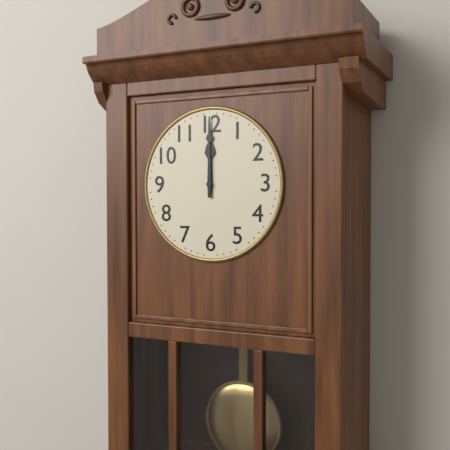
12:00
